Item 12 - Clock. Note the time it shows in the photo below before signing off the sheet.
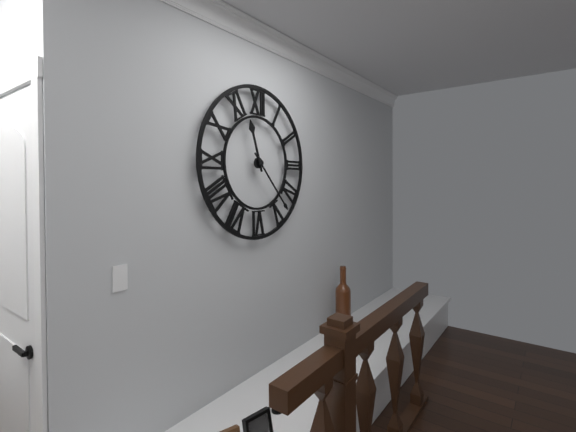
11:23
